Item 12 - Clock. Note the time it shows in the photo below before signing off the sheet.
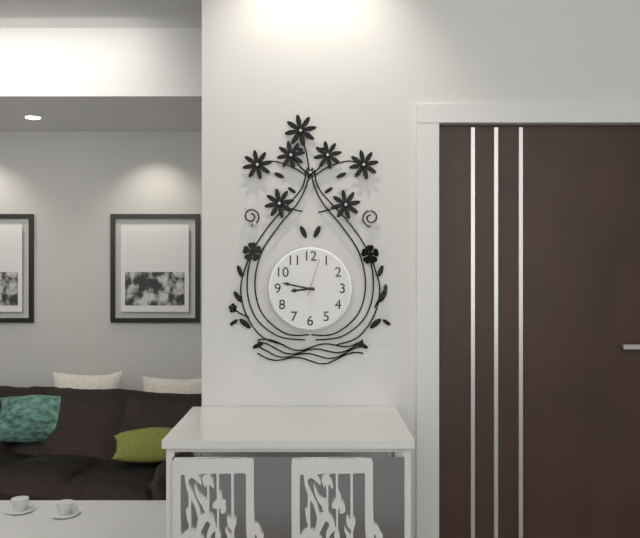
8:47
